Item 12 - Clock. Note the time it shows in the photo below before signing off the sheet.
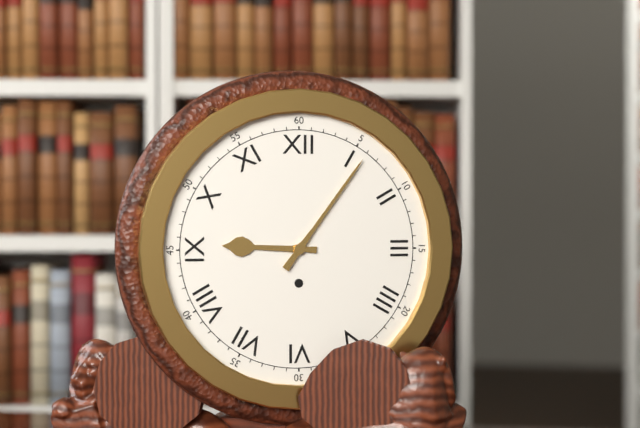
9:06
